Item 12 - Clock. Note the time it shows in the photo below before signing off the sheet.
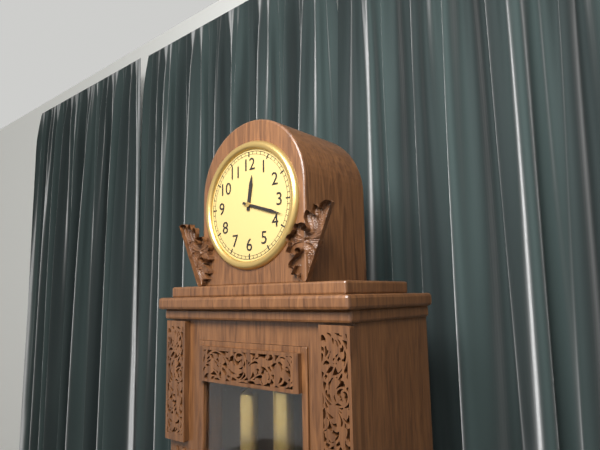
12:18
